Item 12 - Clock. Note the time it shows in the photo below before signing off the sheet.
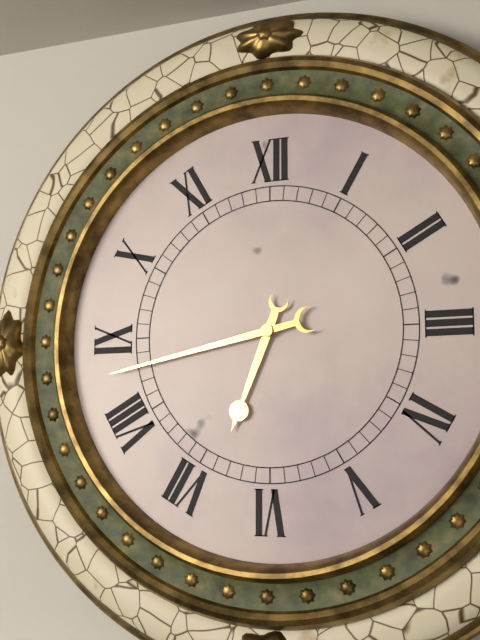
6:43
